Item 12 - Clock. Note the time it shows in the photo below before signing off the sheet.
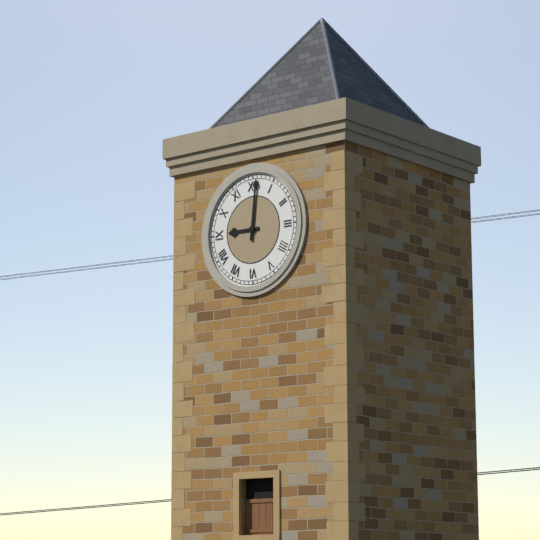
9:01
